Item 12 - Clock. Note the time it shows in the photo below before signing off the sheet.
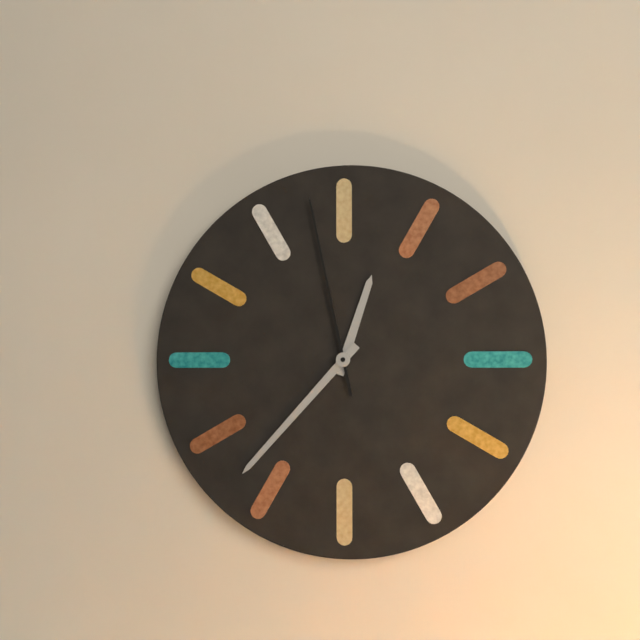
12:37:58
